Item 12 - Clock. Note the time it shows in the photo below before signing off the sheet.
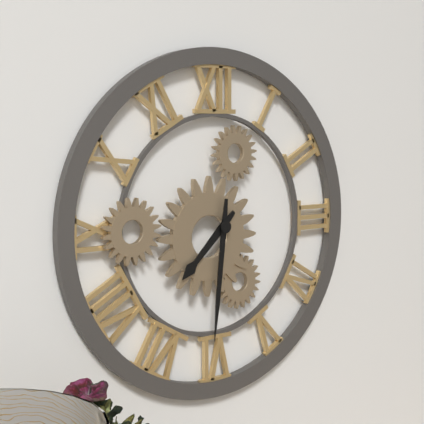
7:31
